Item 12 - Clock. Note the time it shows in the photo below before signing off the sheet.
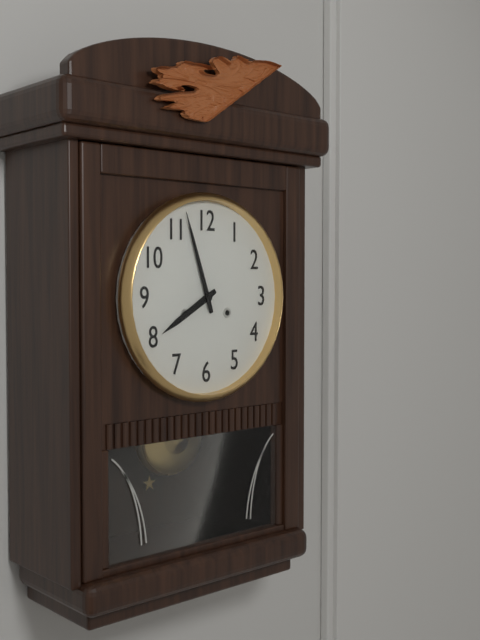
7:57
